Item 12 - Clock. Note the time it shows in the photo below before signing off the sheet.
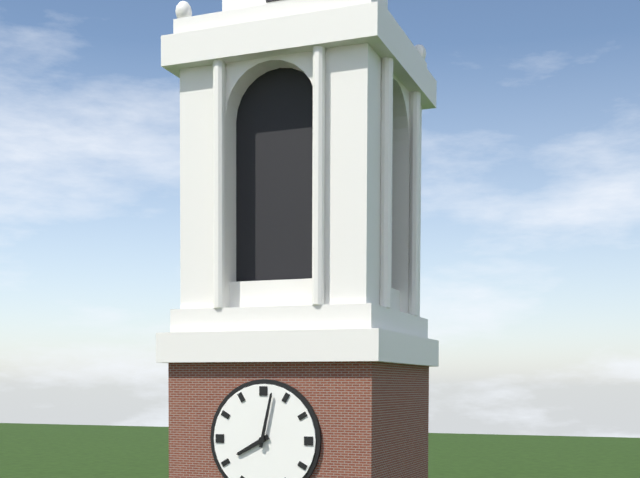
8:02
